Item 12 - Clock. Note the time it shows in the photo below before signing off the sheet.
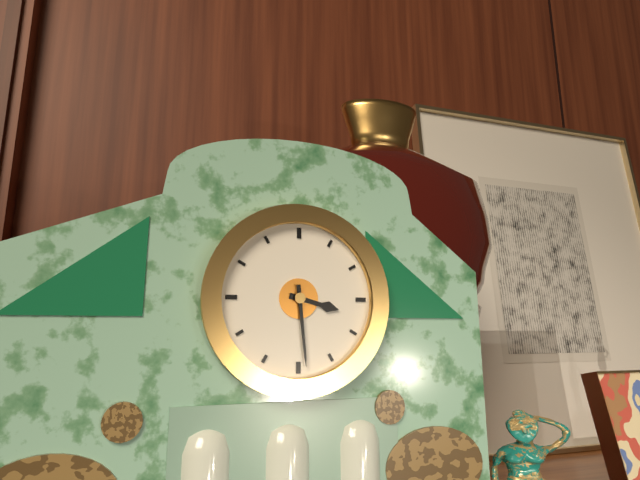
3:29
